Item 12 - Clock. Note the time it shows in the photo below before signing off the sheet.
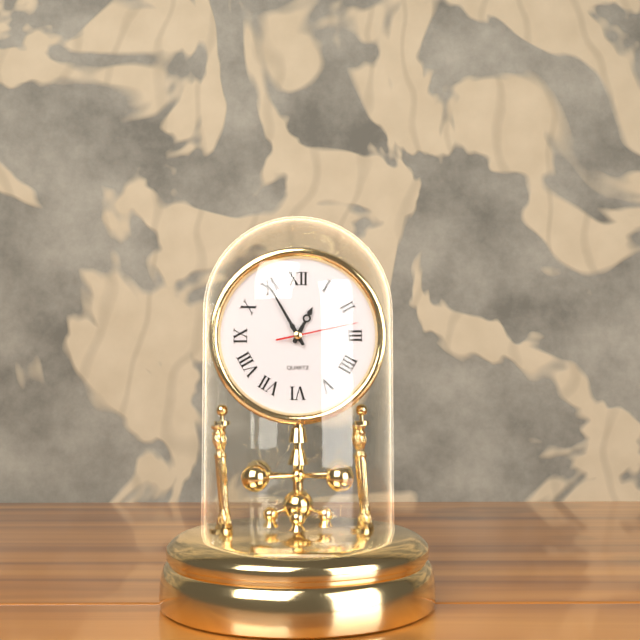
12:55:13
